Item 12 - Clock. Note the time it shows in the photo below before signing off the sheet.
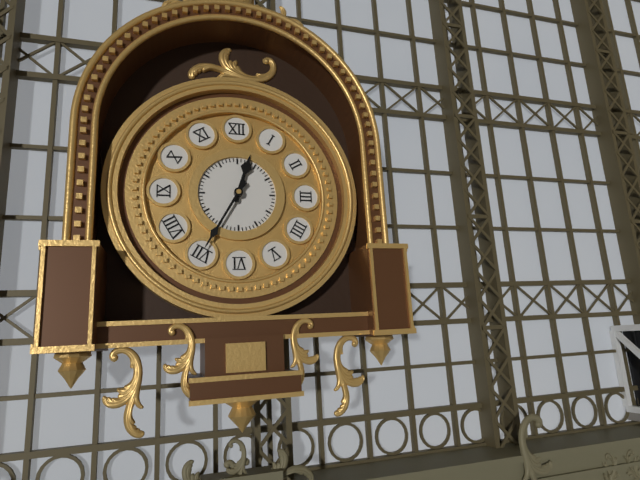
12:35
